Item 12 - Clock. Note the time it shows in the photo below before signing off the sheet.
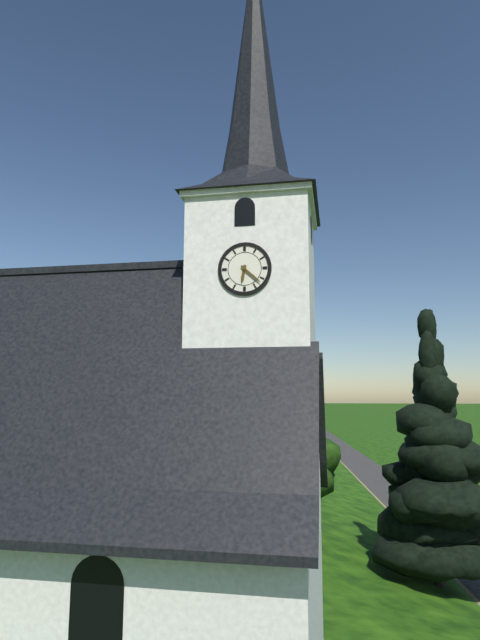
6:22
